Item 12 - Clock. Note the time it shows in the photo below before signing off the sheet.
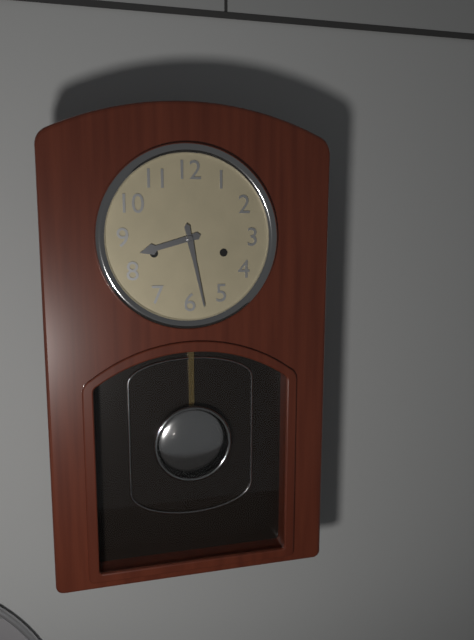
8:28
